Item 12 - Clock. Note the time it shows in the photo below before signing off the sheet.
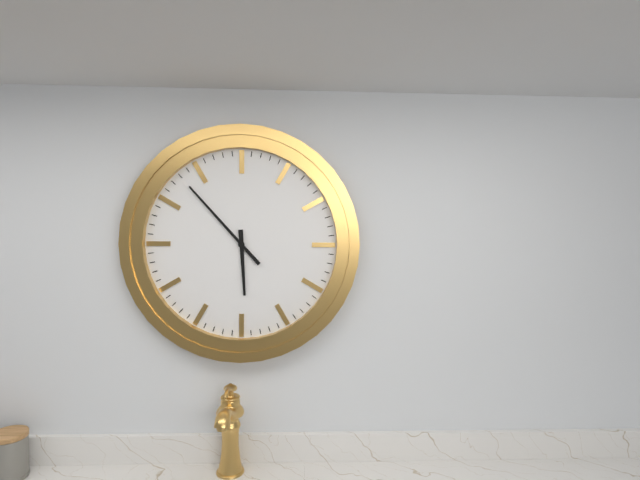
5:53
